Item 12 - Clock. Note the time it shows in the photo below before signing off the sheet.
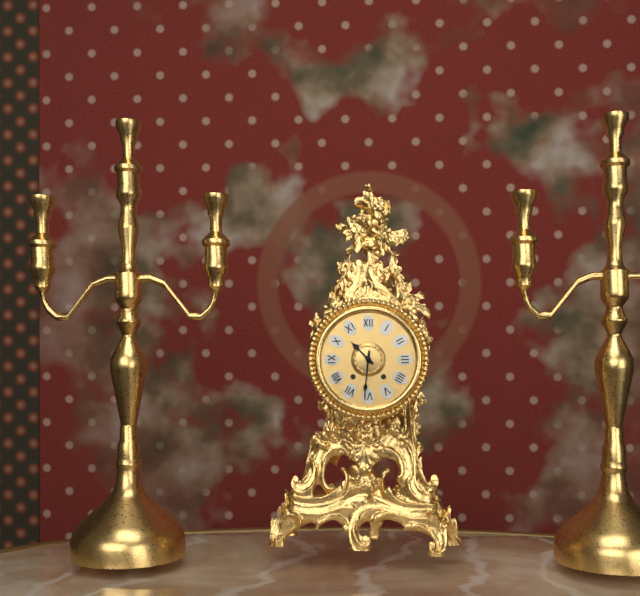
10:31
